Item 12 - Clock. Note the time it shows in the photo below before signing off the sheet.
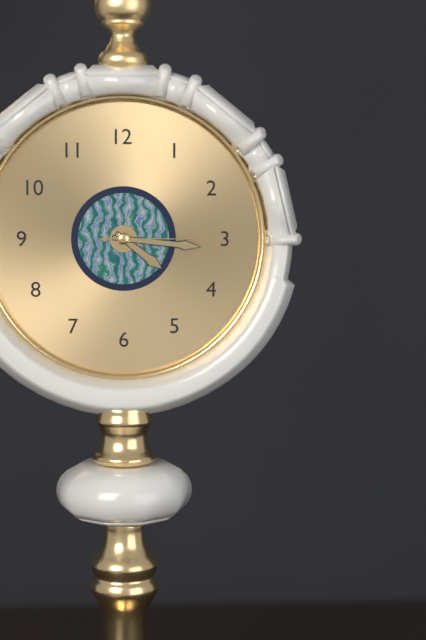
4:16:15
